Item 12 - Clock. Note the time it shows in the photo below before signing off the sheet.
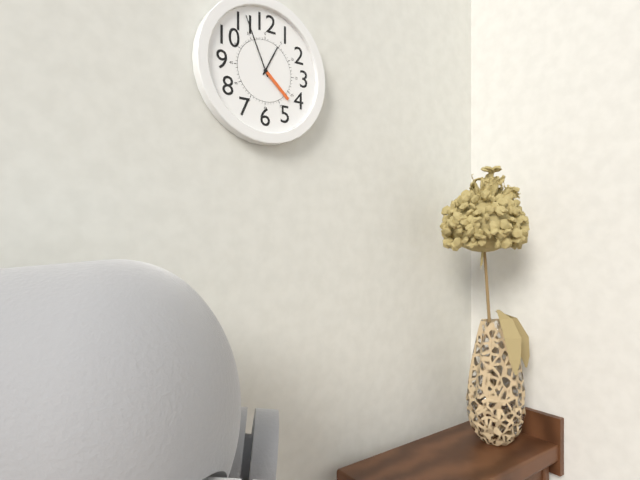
12:56
